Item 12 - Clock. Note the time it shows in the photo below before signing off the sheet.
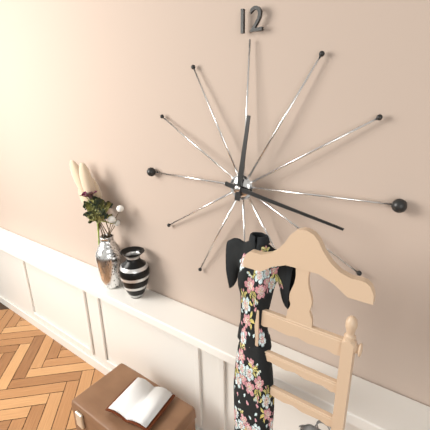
12:17
